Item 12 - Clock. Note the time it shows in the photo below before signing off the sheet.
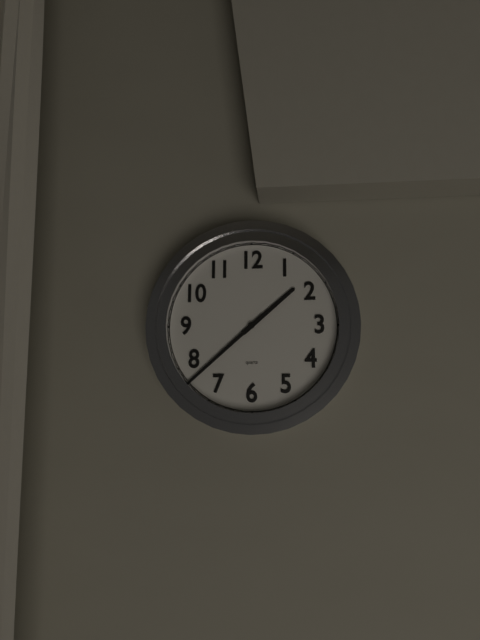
1:38
